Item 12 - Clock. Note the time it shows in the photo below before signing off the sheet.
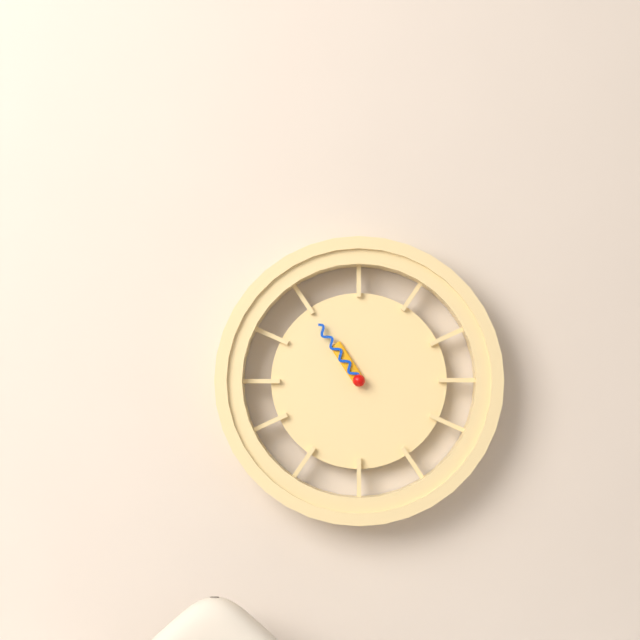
10:54
